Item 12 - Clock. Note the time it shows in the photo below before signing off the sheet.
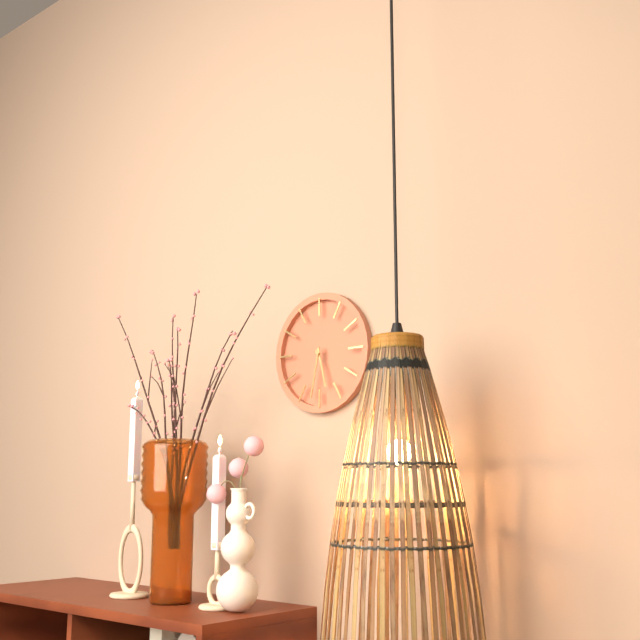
5:32
